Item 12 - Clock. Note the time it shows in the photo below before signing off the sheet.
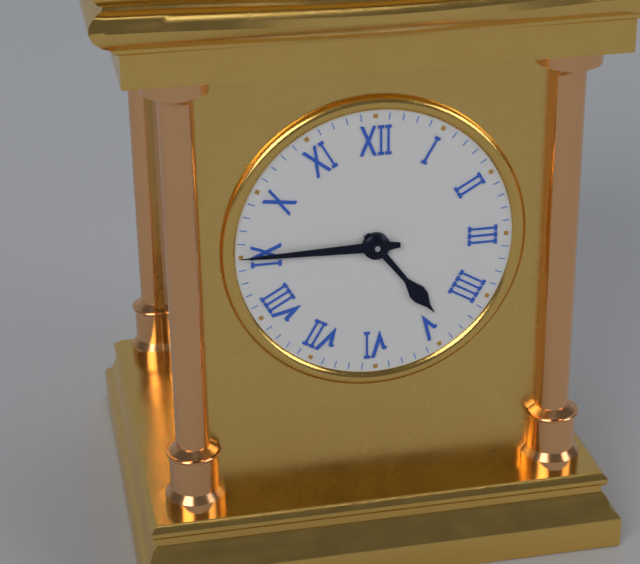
4:45
